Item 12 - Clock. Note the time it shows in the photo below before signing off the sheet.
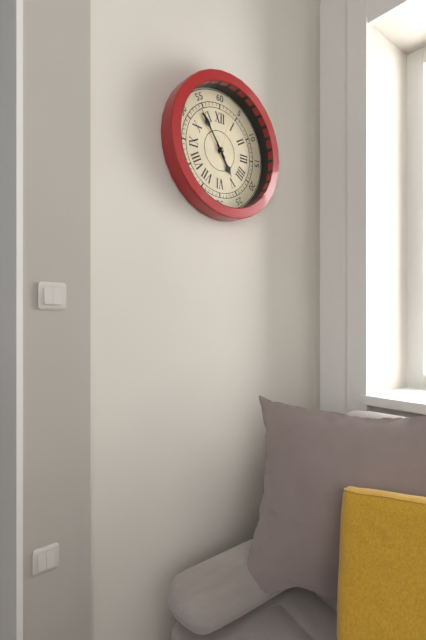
4:54:03
